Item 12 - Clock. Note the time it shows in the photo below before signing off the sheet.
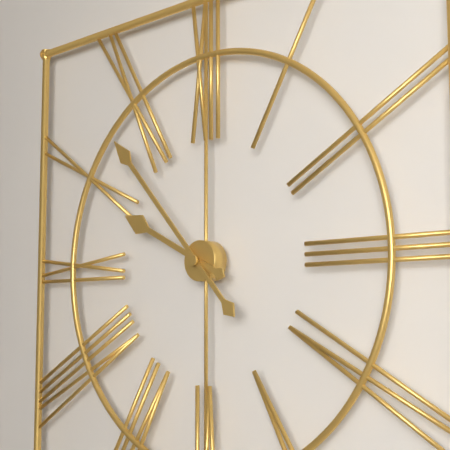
9:53
